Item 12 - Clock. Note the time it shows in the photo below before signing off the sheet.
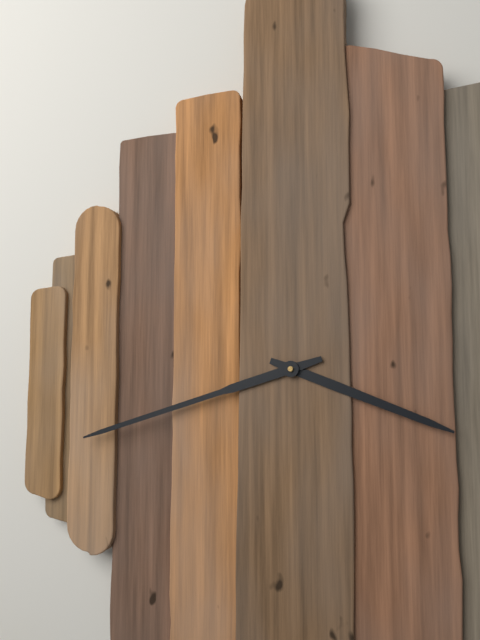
3:42
